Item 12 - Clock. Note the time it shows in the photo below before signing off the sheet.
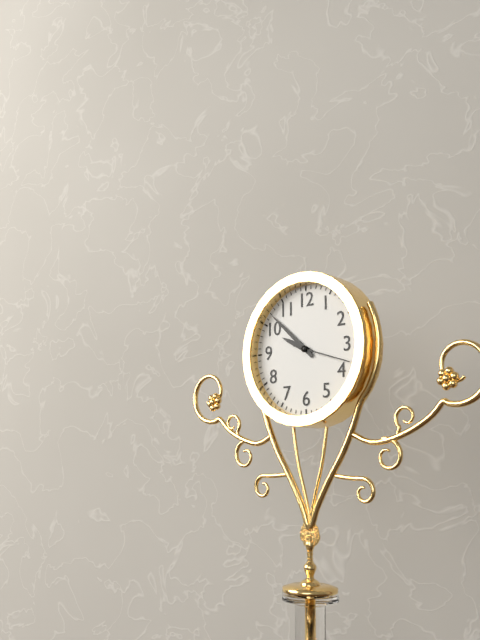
9:52:18
